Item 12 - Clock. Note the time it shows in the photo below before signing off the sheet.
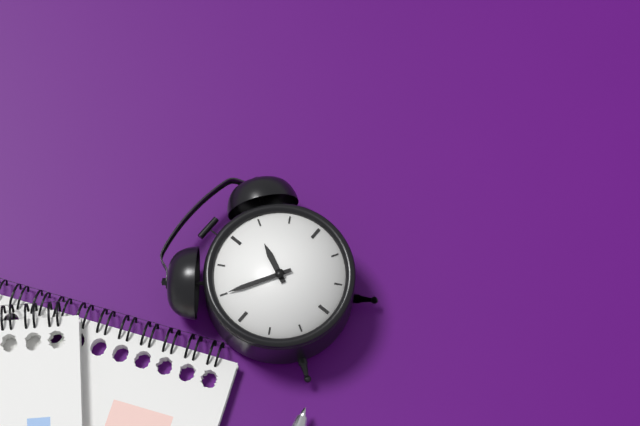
12:50
